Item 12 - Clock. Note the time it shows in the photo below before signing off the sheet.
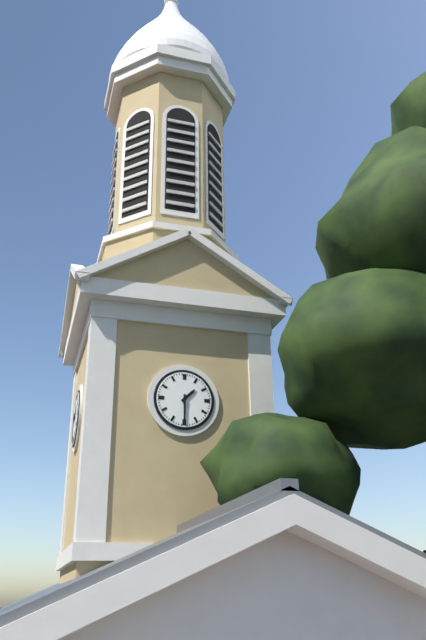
1:30
